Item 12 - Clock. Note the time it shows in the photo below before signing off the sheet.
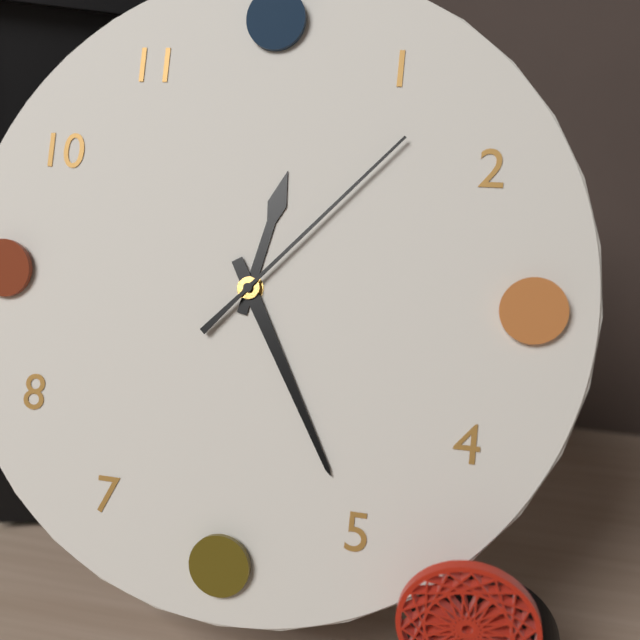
12:25:07
